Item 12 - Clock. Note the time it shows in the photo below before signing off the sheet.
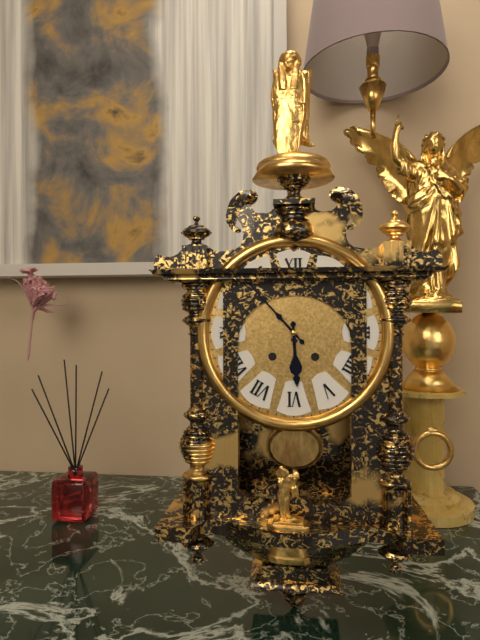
5:53
